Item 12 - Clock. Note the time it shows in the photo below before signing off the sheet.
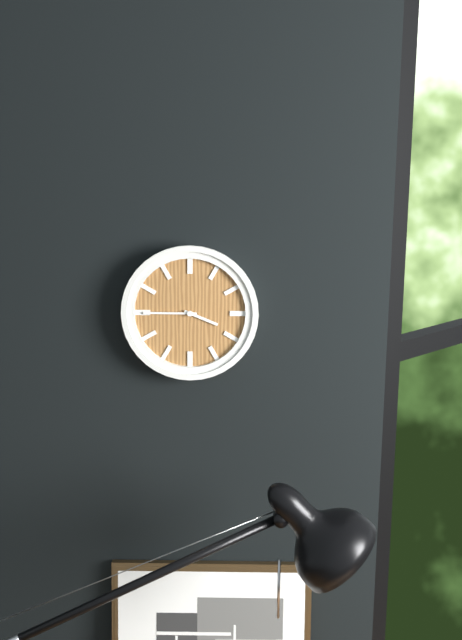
3:45
